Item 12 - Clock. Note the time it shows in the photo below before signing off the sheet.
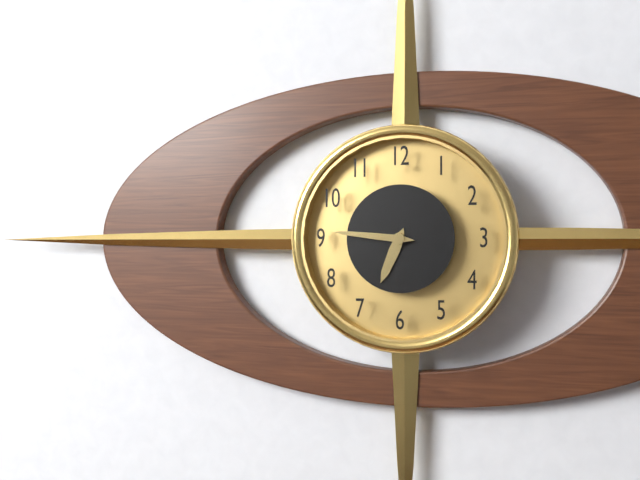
6:46
